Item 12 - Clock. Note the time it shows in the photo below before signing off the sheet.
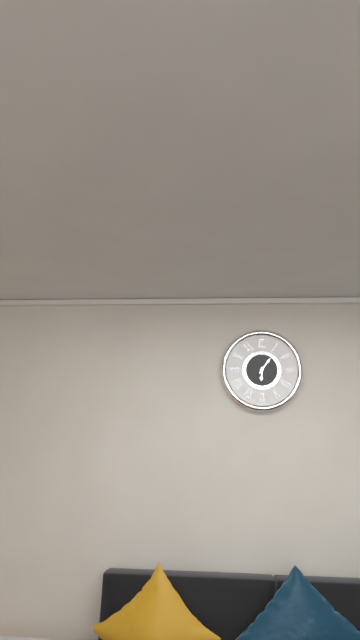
6:06
